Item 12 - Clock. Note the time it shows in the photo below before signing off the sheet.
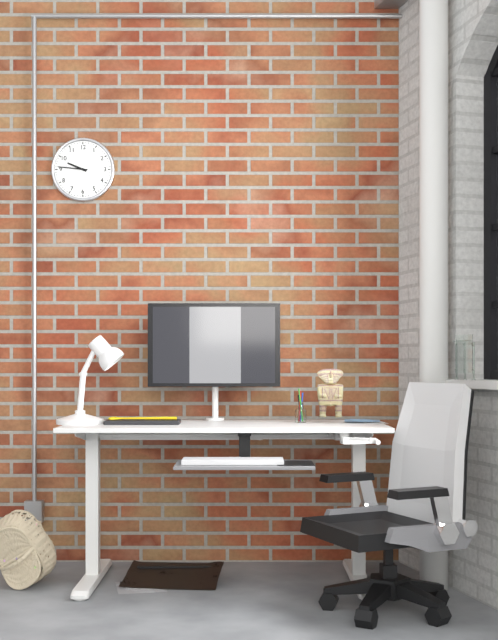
9:46
